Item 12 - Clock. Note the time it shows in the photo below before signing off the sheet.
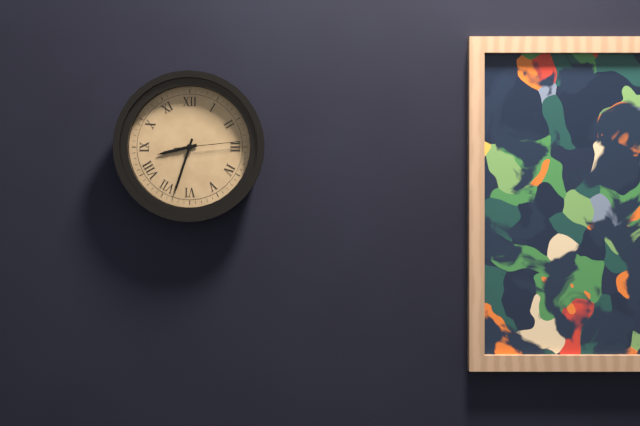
8:33:14
